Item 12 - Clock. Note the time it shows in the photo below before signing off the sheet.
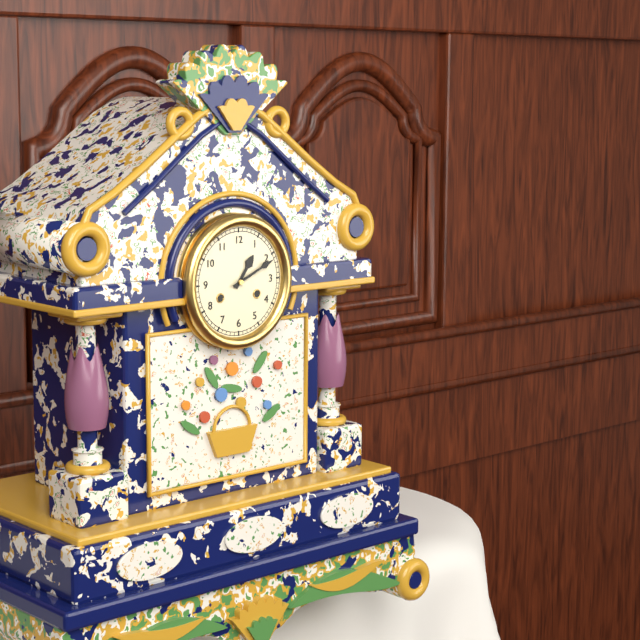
1:11
